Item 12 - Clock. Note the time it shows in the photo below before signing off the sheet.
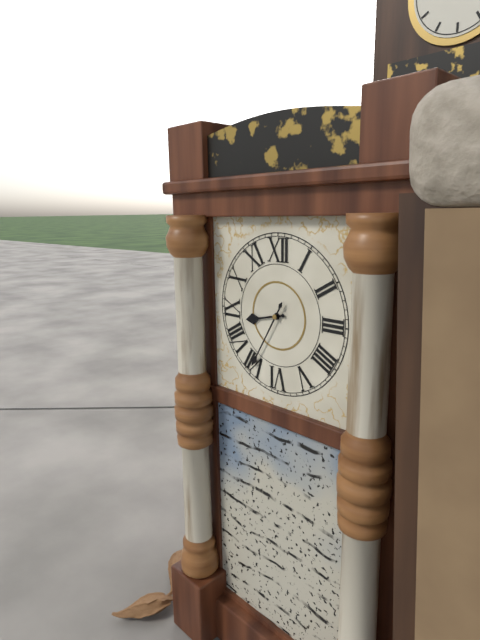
8:35
